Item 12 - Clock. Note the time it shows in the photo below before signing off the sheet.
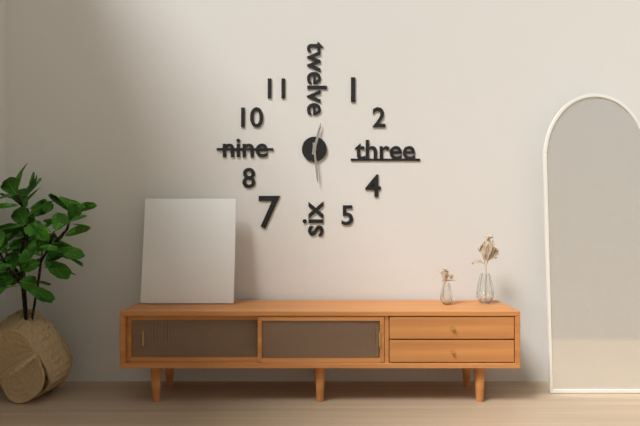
12:29
